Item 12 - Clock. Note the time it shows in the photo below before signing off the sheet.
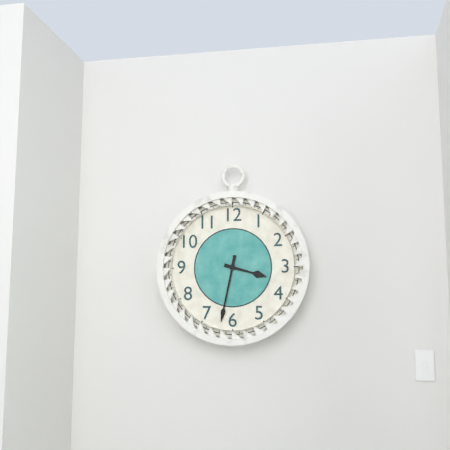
3:32
